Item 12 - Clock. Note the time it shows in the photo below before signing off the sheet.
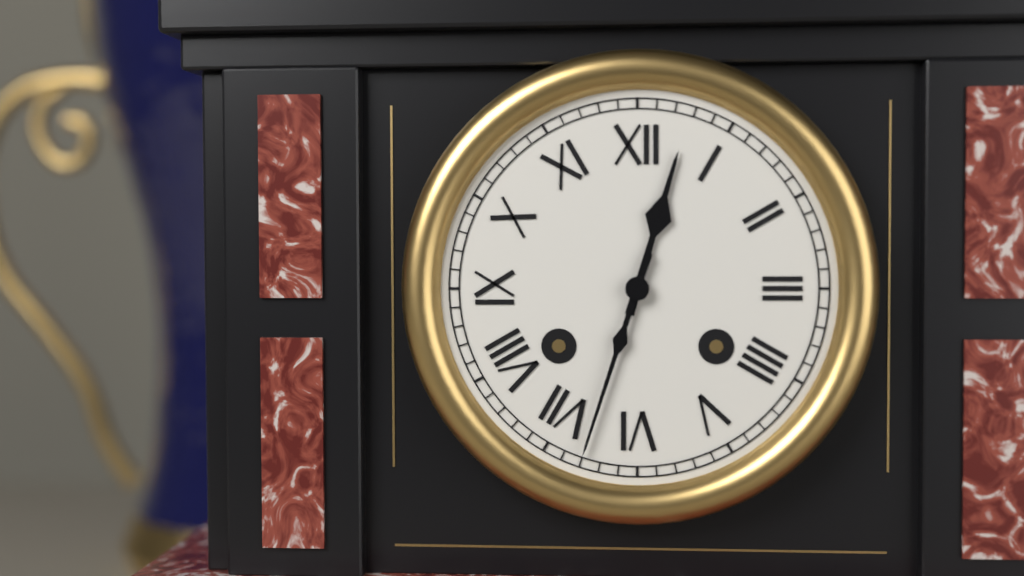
12:33
